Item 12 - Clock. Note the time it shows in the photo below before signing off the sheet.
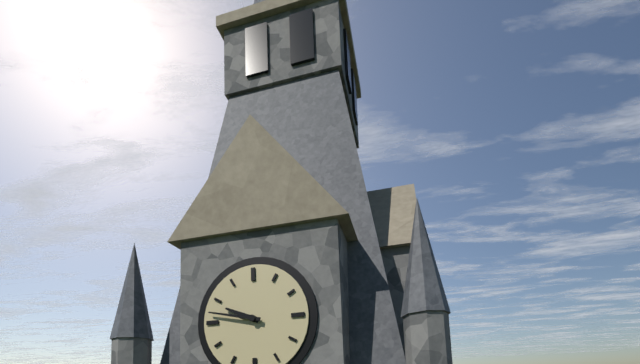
9:47
